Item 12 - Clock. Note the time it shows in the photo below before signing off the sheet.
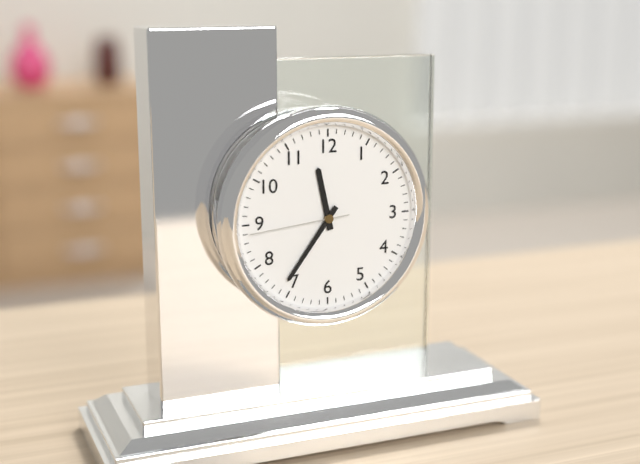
11:36:44
